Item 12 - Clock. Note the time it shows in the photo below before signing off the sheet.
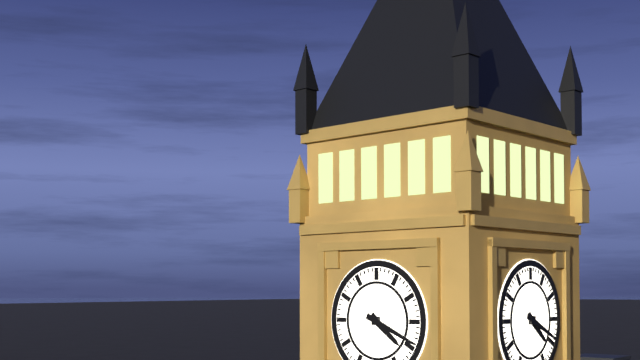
4:19
